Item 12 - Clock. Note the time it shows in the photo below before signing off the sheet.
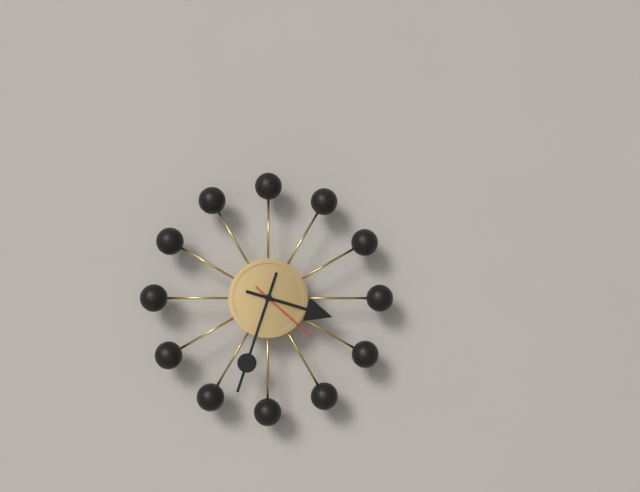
3:33:22
